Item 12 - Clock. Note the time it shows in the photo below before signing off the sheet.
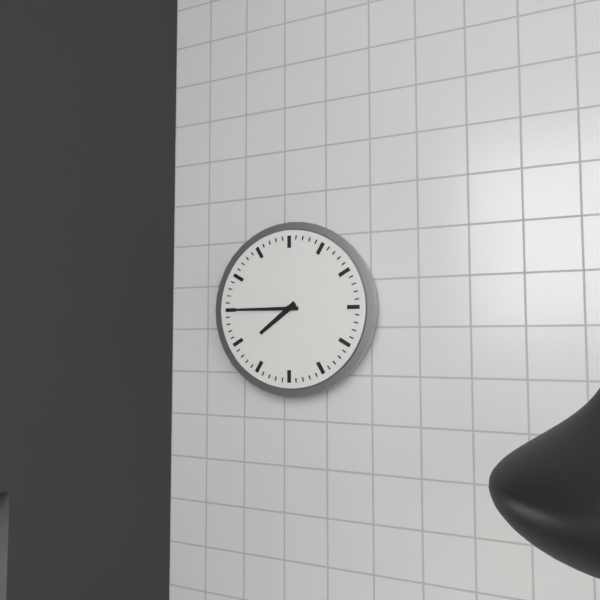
7:45
